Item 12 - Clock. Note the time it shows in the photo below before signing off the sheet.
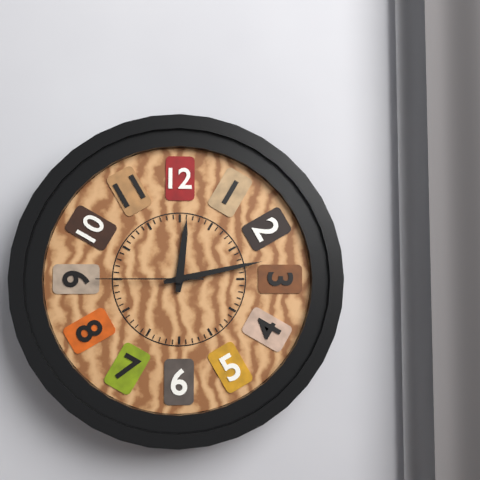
12:13:45
